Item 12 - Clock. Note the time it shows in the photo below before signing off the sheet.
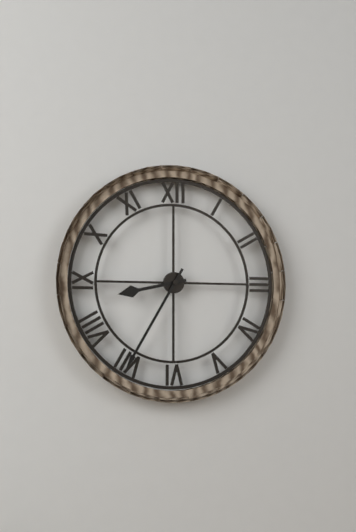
8:35
